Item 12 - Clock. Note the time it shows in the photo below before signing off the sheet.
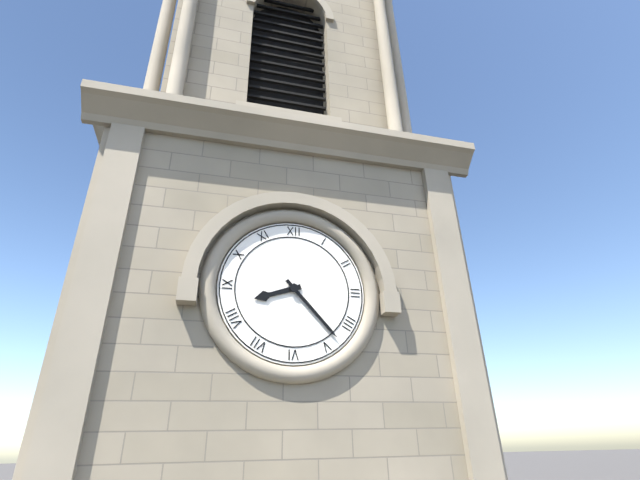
8:23
